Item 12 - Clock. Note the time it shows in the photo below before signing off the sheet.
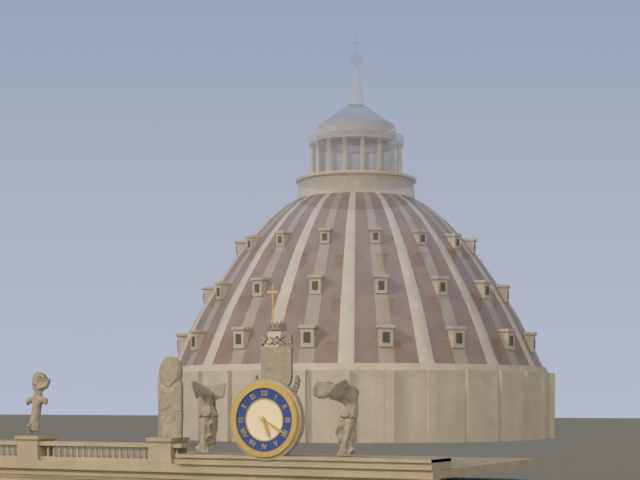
5:20
